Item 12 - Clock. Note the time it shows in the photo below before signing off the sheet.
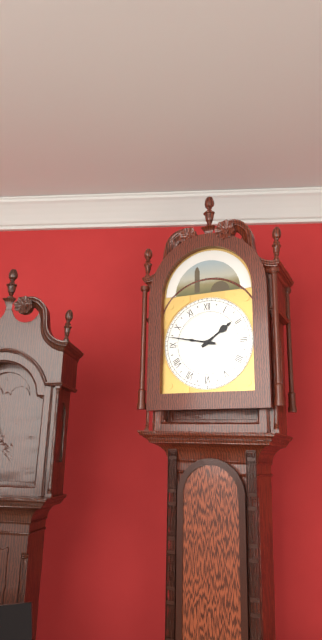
1:47
